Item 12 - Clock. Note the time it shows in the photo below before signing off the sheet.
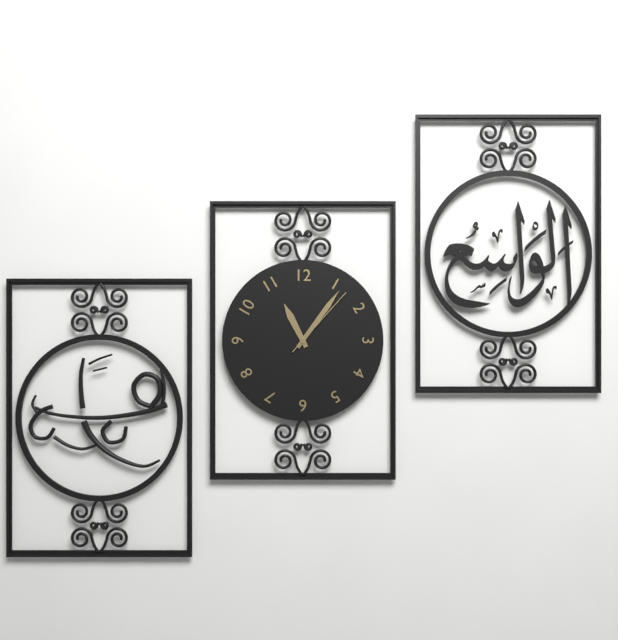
11:06:07
